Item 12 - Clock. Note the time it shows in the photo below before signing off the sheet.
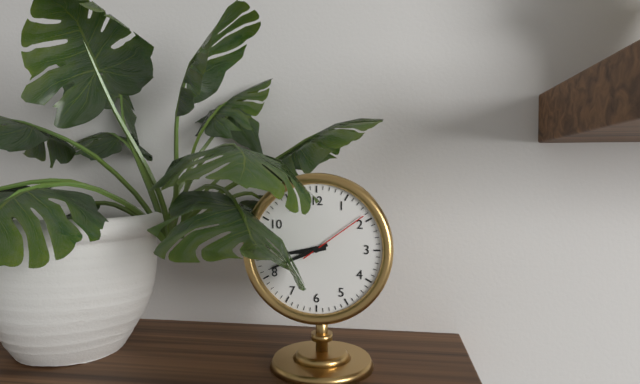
8:41:09
